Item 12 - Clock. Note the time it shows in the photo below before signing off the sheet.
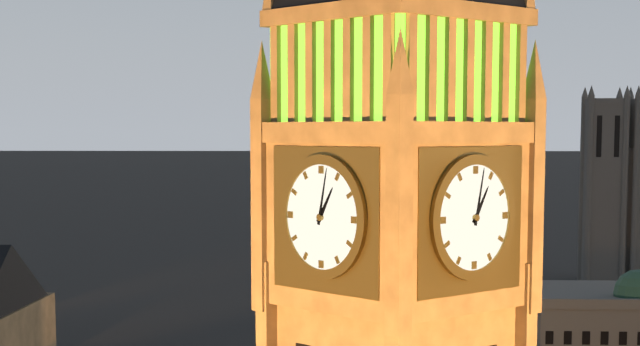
1:02
